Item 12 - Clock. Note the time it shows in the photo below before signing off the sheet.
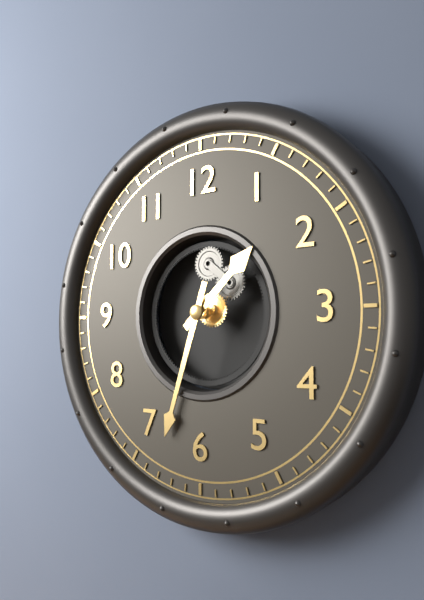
1:33
